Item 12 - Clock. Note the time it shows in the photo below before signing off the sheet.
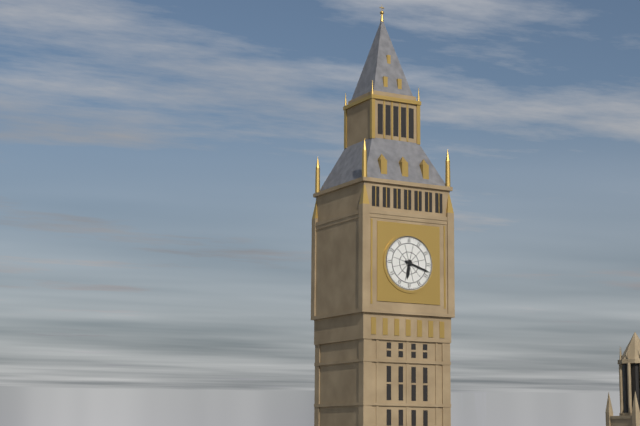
6:18
